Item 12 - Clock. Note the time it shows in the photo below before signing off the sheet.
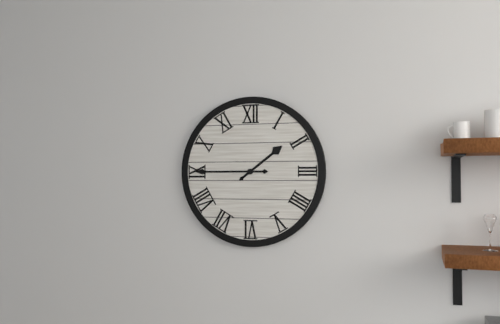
1:45
